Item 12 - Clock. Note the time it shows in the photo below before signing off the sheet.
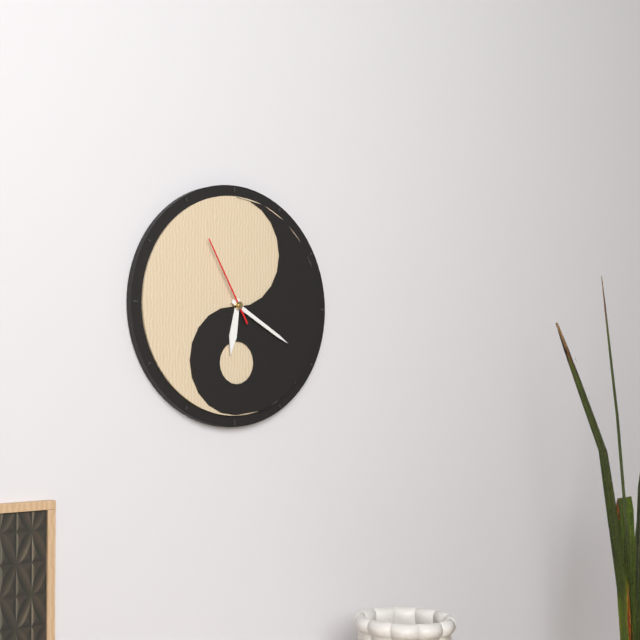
6:20:55
